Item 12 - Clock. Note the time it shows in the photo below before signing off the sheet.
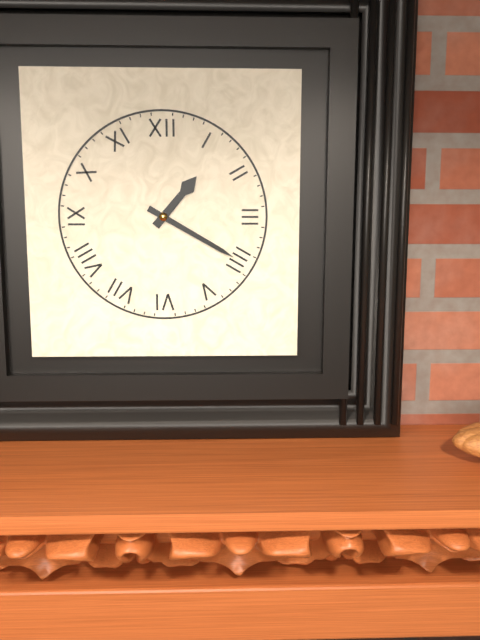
1:20
